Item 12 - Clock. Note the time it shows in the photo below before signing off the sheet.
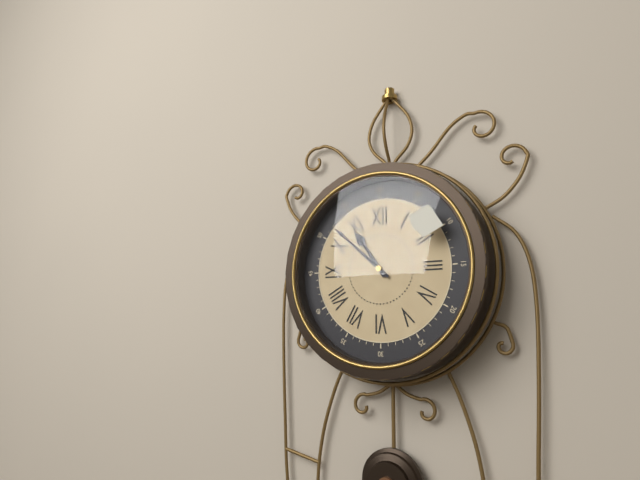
10:52
